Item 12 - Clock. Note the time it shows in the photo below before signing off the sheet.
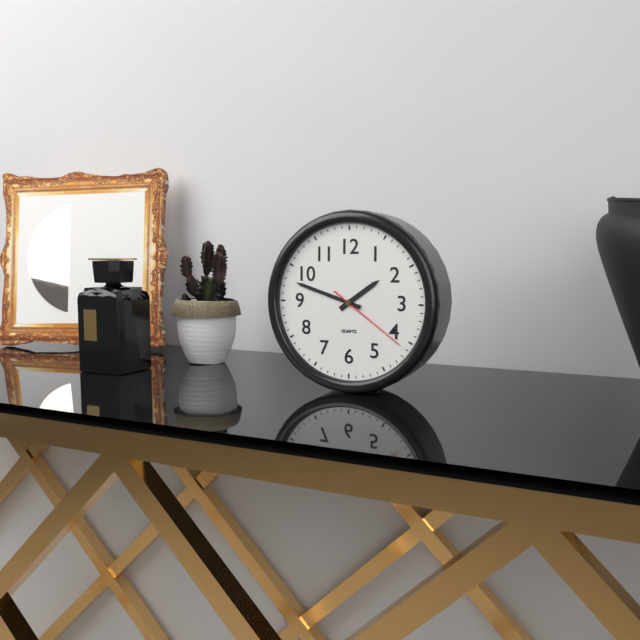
1:48:21
